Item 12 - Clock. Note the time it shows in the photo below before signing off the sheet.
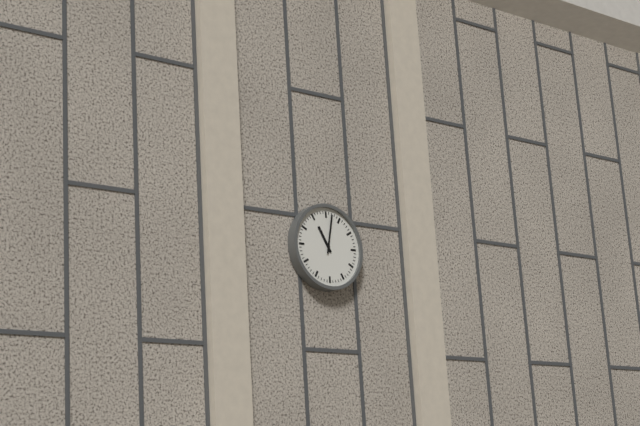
11:02
